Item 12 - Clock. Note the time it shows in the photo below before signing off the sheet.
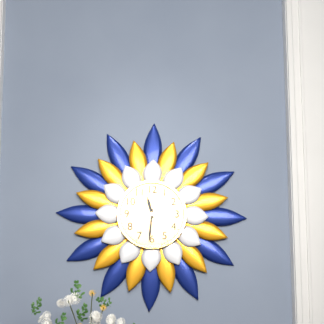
11:31
